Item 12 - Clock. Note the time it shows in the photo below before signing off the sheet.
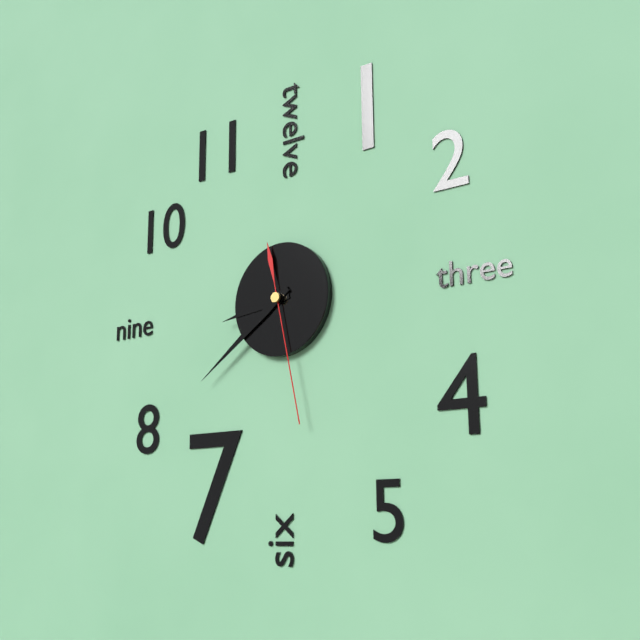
8:39:28
